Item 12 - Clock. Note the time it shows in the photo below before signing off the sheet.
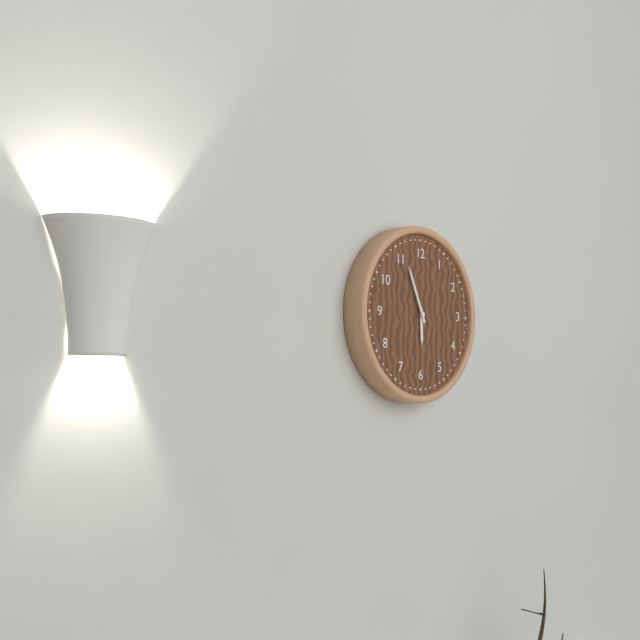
5:56
